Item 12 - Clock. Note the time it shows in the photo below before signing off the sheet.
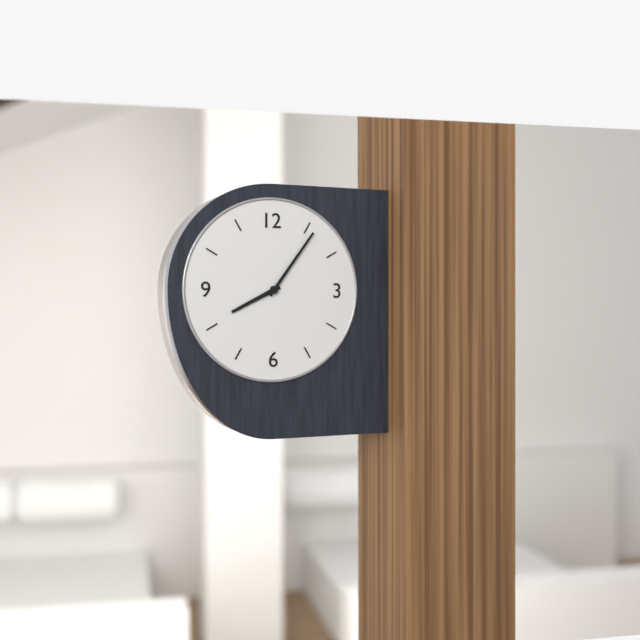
8:06
